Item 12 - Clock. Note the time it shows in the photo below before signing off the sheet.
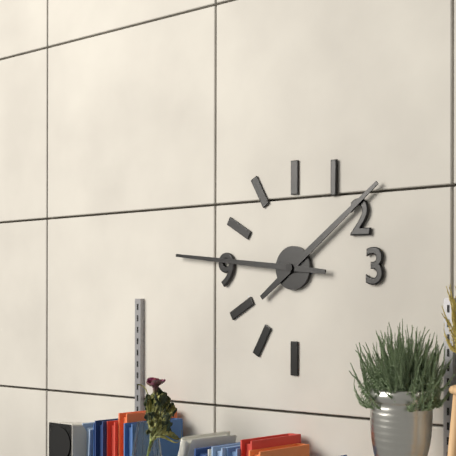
1:46
